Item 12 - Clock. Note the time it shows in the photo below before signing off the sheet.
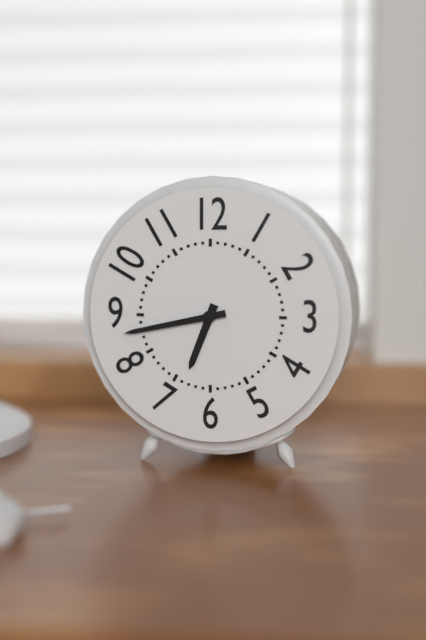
6:43
